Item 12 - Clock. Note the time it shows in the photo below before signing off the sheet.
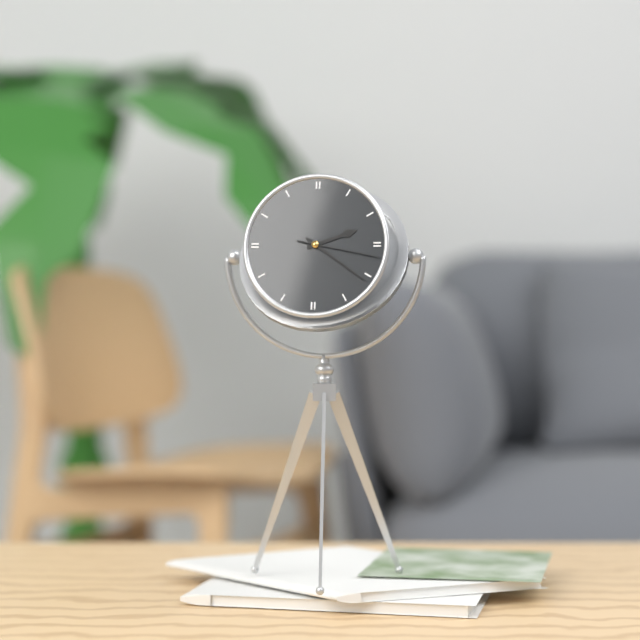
2:21:17
